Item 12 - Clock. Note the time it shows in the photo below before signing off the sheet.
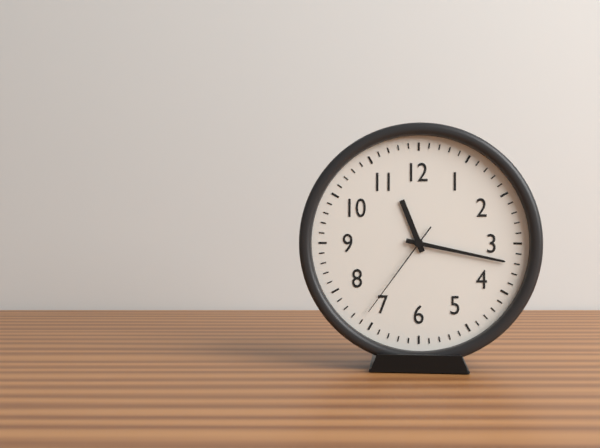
11:17:36
